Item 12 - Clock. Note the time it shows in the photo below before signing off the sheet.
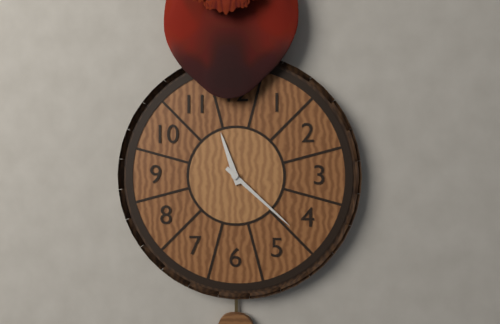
11:22
